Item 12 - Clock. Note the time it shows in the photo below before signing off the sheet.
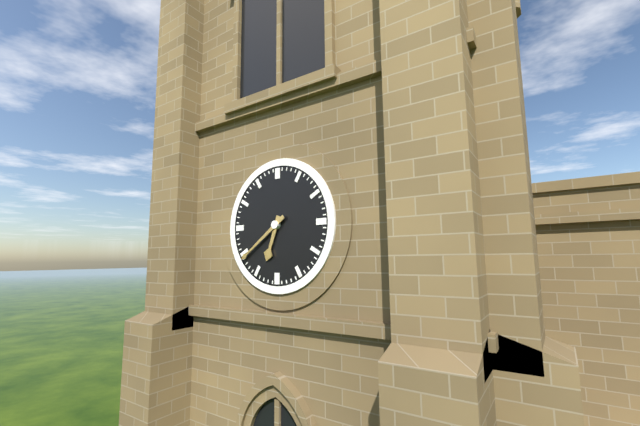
6:39
